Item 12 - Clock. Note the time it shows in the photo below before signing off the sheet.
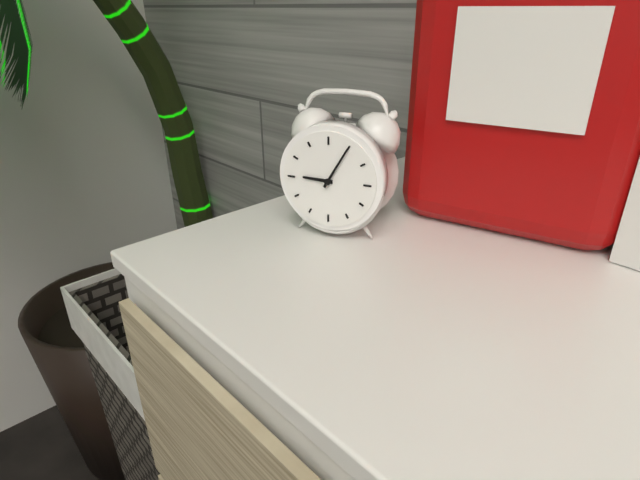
9:05
